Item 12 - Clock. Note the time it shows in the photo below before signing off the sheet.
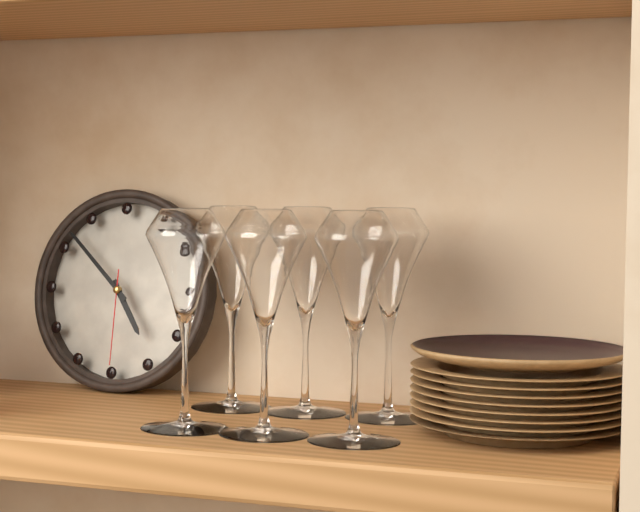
4:52:30
